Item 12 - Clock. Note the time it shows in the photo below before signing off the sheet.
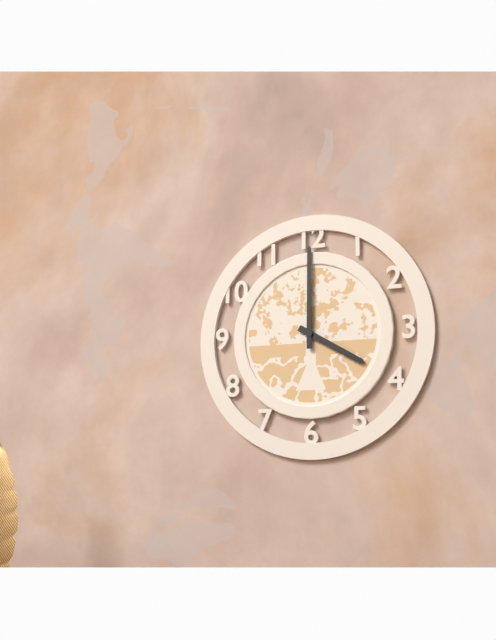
4:00
